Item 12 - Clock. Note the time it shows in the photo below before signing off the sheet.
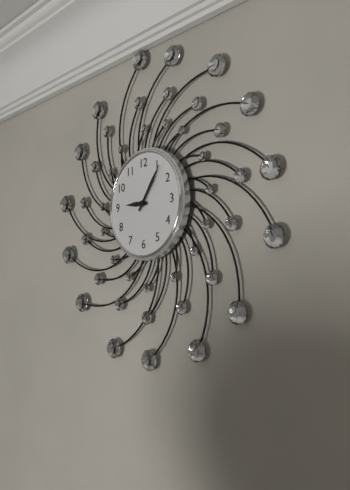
9:06
